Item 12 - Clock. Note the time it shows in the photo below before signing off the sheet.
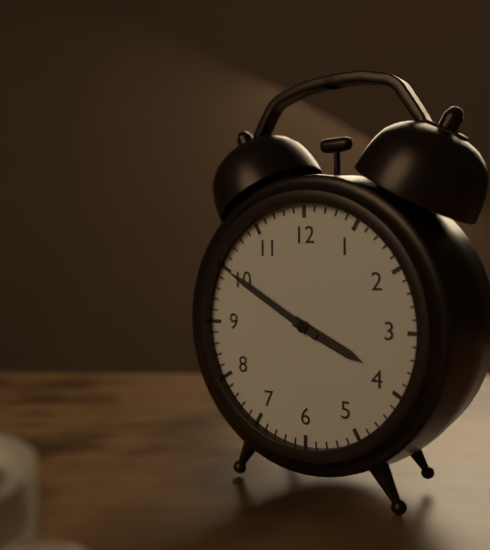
3:50
